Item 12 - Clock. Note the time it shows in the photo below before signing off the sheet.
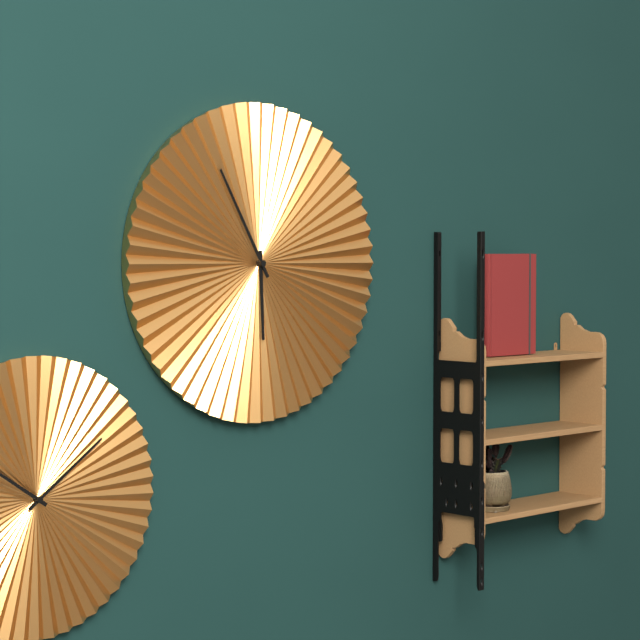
5:55
